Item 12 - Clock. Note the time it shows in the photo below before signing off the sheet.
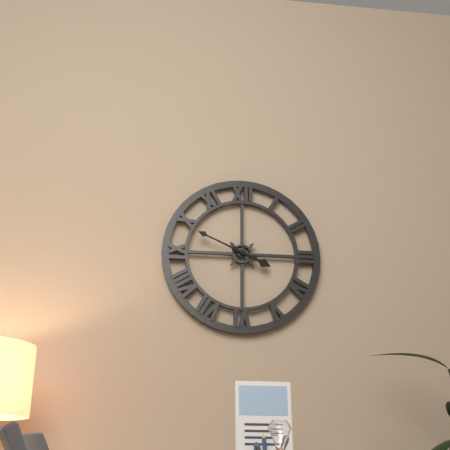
3:49
